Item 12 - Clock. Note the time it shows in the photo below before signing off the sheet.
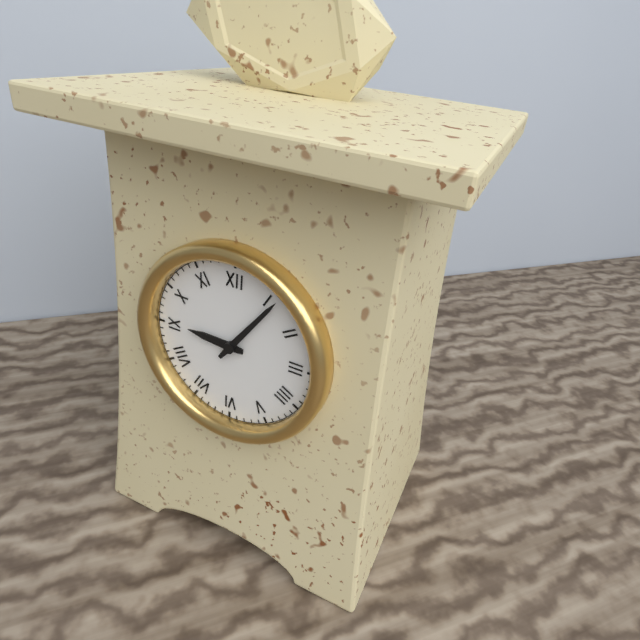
9:06
